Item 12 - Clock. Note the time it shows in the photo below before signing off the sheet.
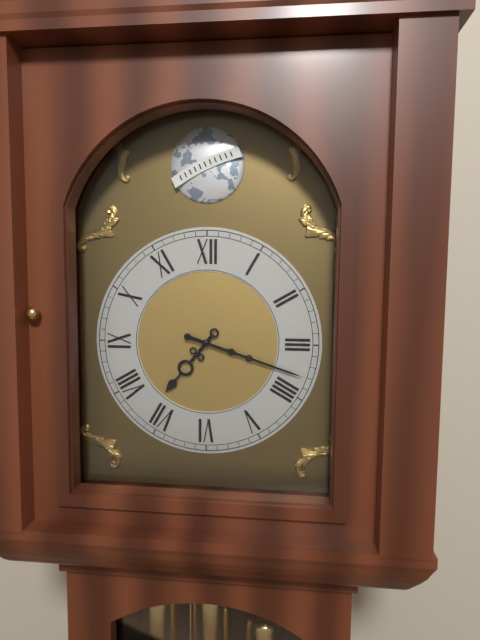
7:18
